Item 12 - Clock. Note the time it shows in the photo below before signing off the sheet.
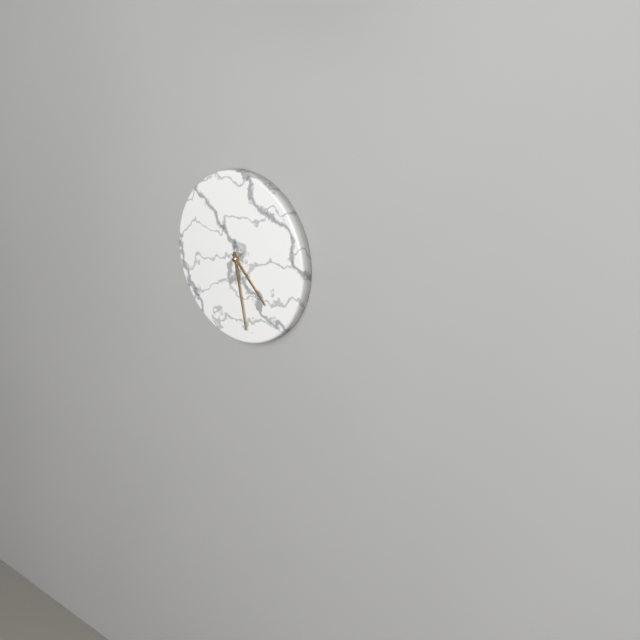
4:28
